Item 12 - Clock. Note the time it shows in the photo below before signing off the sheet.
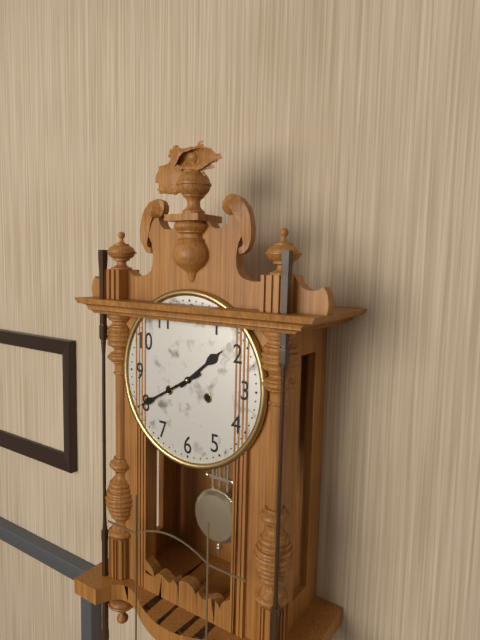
1:40
